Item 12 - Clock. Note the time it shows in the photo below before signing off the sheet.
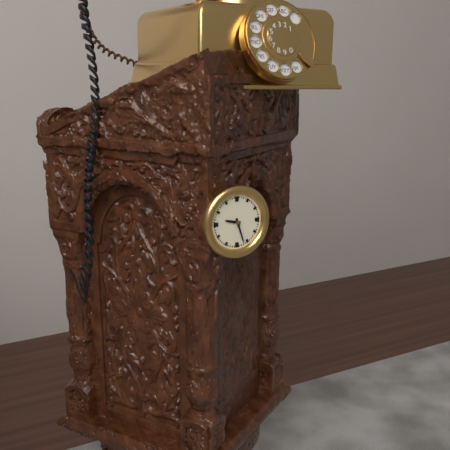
9:27
